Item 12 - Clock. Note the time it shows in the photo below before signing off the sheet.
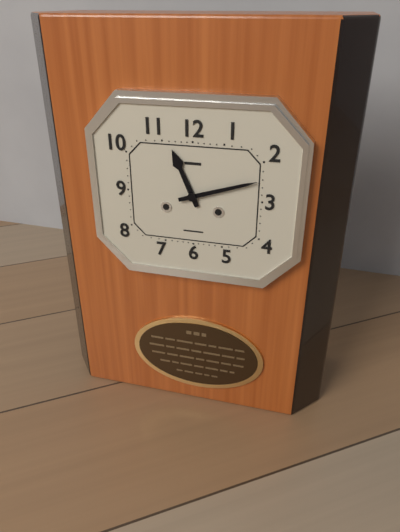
11:12
